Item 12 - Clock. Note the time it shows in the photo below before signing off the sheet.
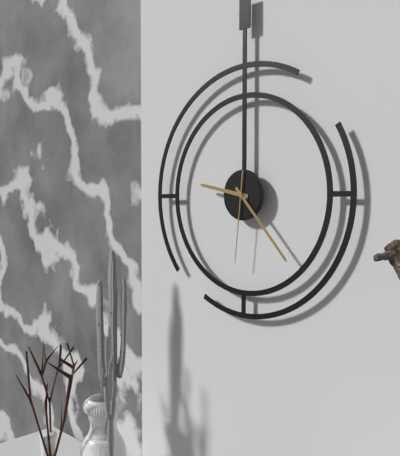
9:23:31
